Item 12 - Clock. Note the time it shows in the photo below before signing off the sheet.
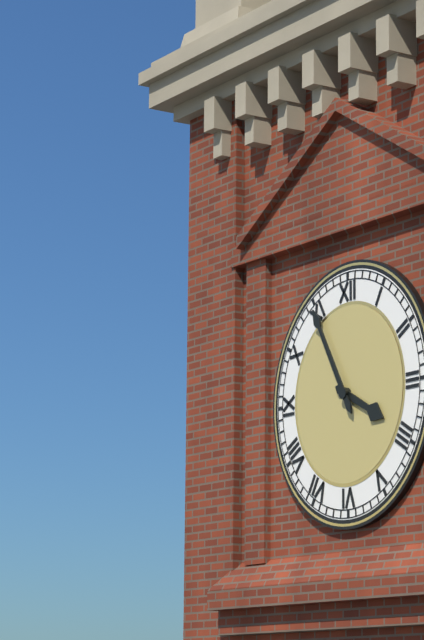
3:55
